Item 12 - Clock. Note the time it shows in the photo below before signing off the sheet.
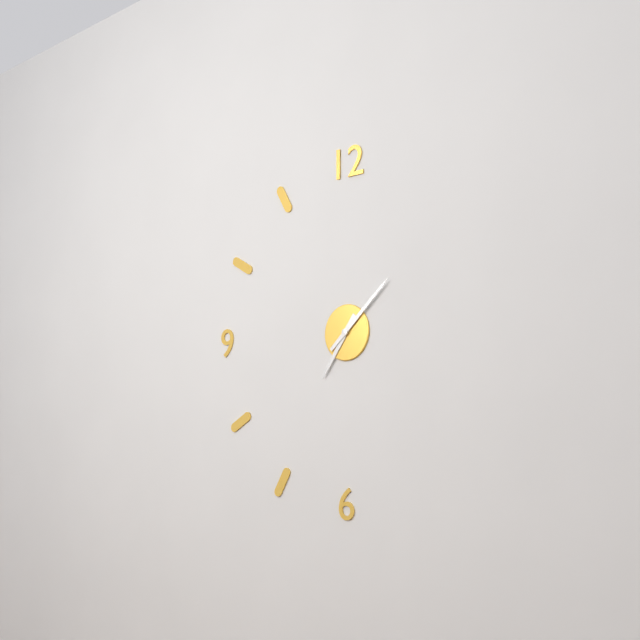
7:08
